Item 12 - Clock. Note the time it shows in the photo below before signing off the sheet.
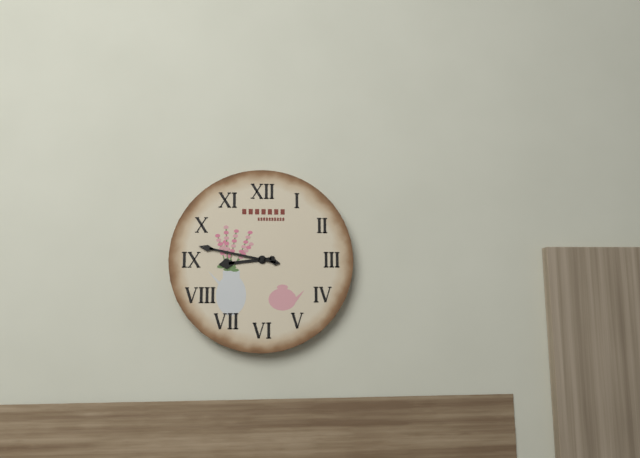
8:47
